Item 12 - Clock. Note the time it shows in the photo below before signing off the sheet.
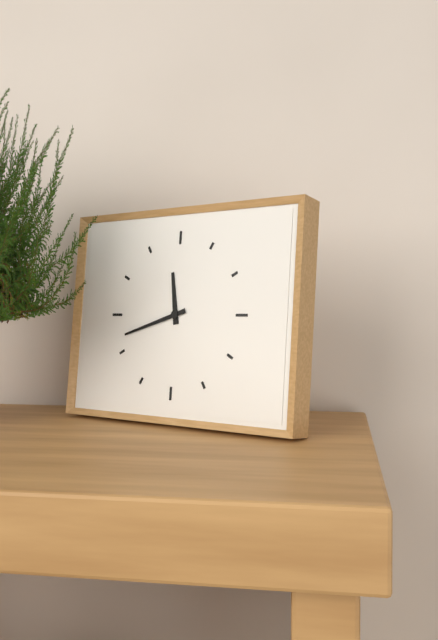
11:42
